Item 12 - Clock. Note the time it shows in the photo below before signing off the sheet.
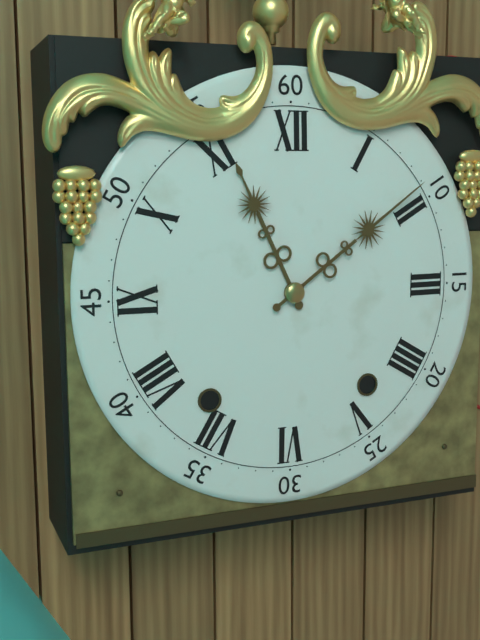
11:09
